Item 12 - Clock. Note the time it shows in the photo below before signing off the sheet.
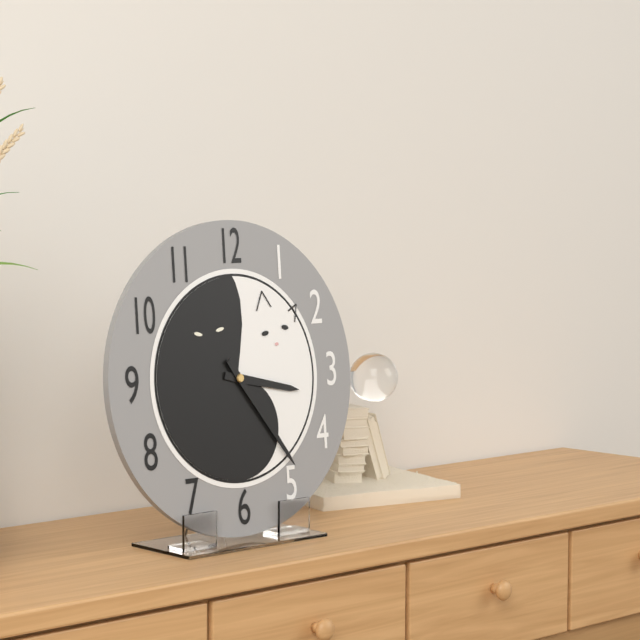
3:24
